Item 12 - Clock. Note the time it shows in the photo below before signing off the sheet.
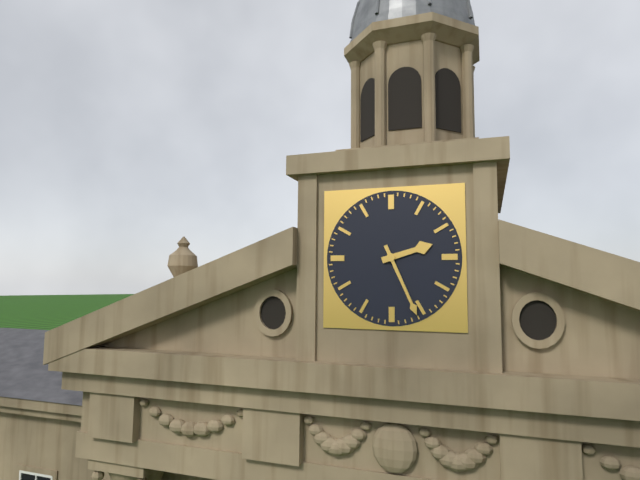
2:26
